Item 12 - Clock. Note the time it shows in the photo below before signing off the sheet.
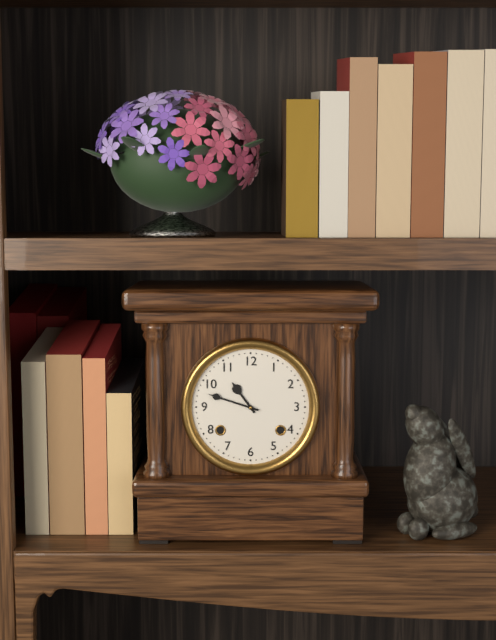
10:48
